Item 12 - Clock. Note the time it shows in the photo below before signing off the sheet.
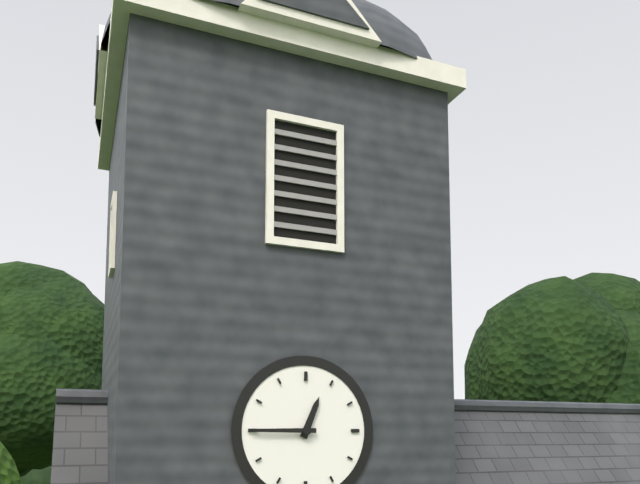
12:45
